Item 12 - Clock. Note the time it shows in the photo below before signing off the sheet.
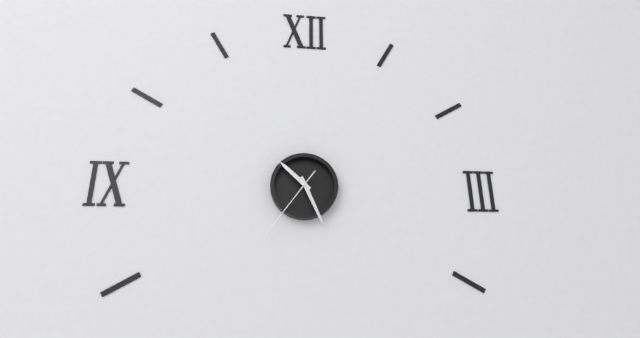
10:26:36
